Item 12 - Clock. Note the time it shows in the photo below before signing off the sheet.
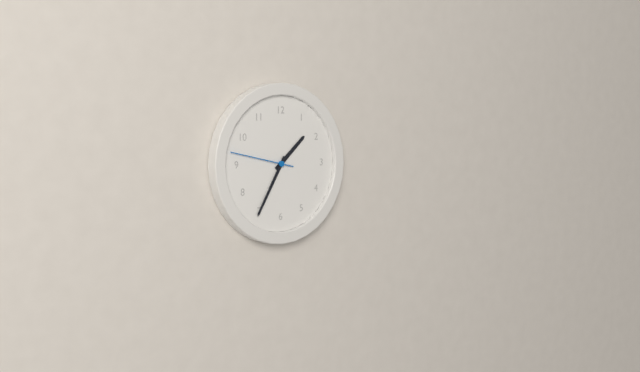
1:35:47
